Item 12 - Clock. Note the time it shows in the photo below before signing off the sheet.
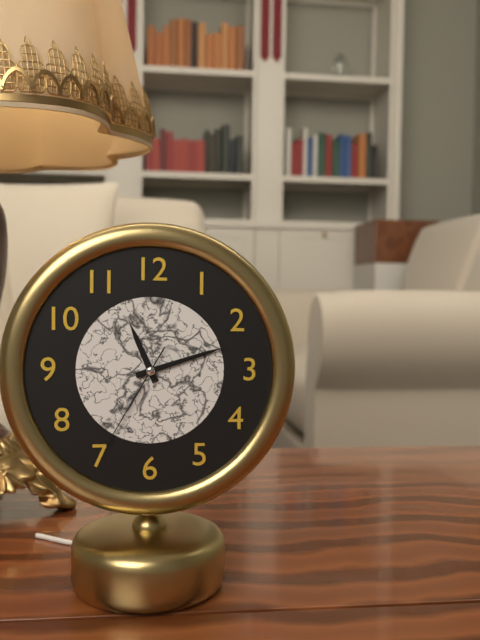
11:12:35
